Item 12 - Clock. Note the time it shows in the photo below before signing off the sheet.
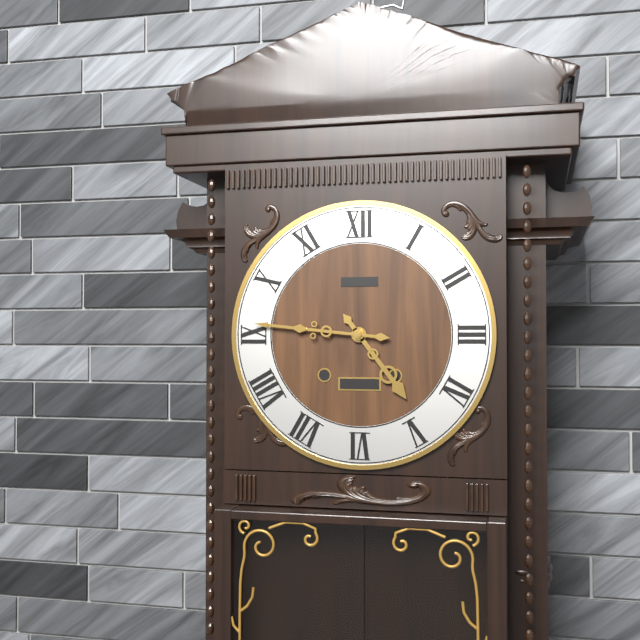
4:46
